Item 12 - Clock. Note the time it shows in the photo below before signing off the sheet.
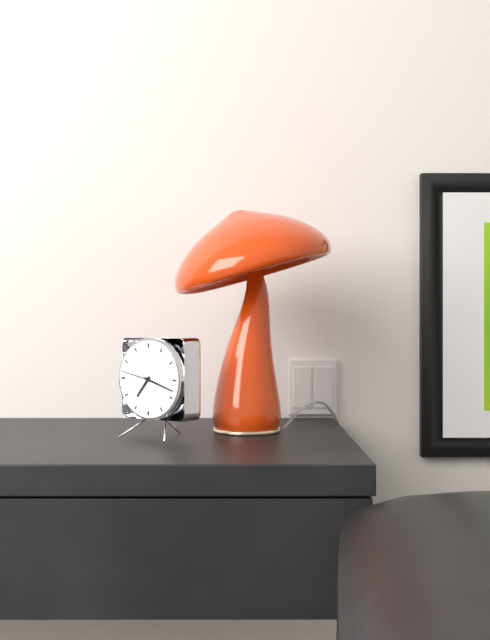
7:18
